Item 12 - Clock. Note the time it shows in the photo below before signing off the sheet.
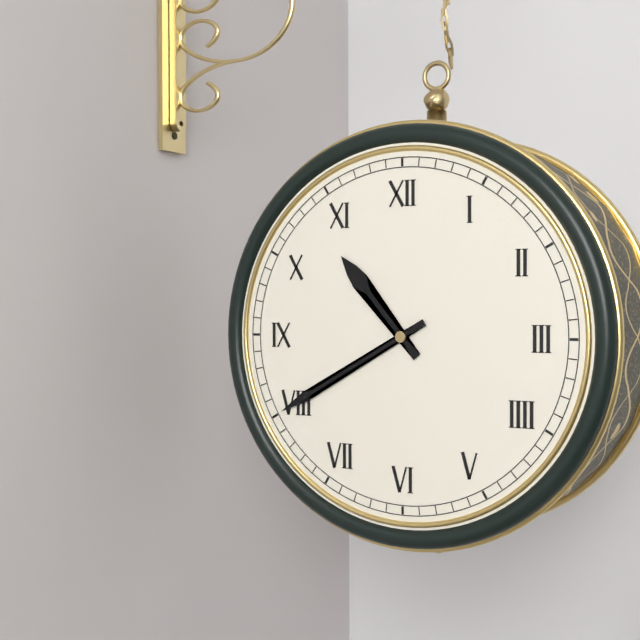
10:40
